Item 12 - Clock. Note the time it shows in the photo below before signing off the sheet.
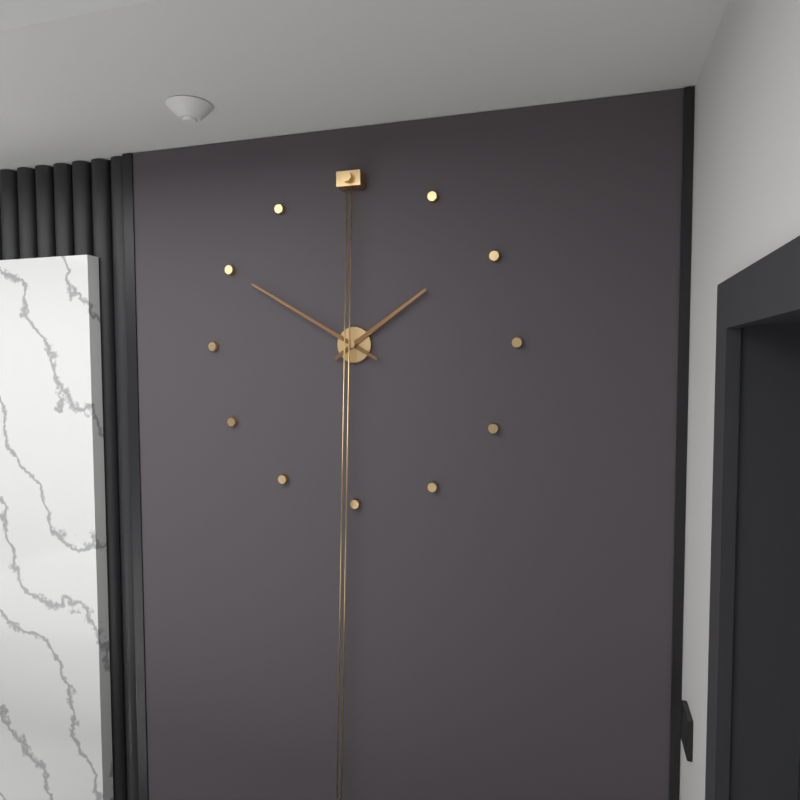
1:50
